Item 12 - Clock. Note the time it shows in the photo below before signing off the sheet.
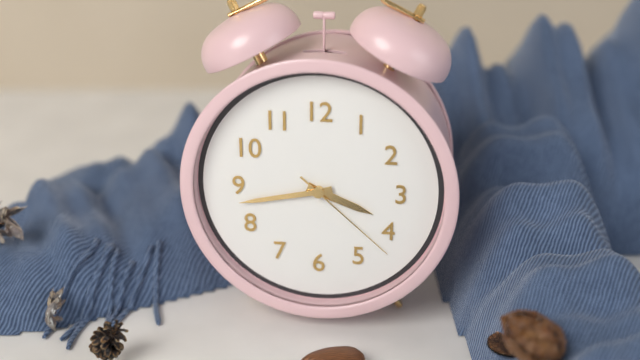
3:43:22
